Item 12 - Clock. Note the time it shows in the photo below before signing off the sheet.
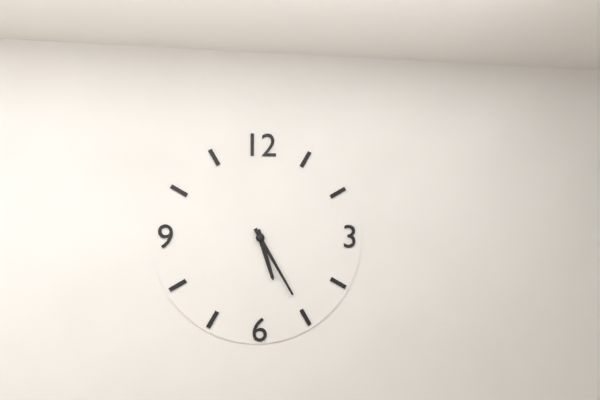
5:25
